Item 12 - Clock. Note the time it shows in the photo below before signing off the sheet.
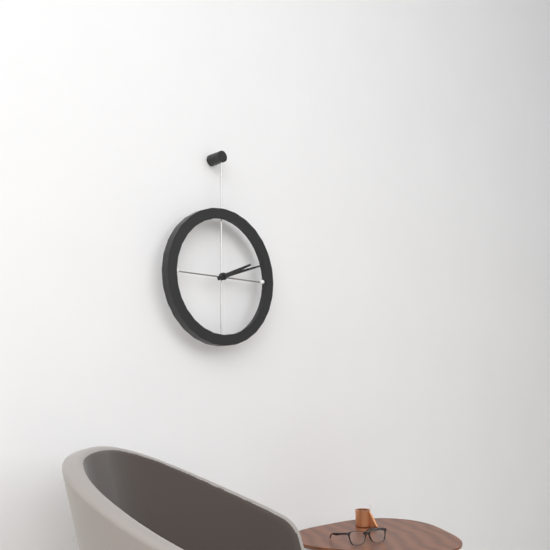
2:12
